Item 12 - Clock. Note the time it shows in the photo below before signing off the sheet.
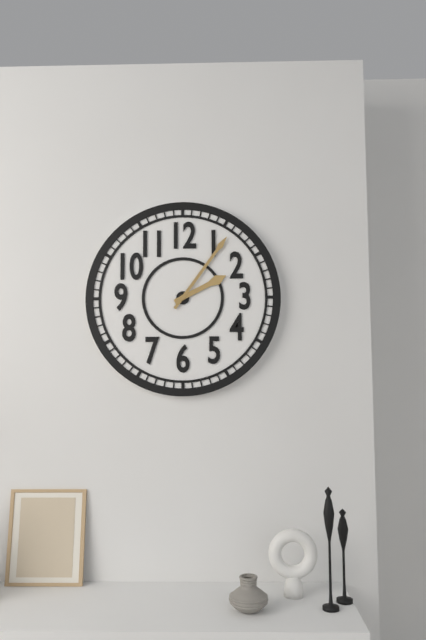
2:06
